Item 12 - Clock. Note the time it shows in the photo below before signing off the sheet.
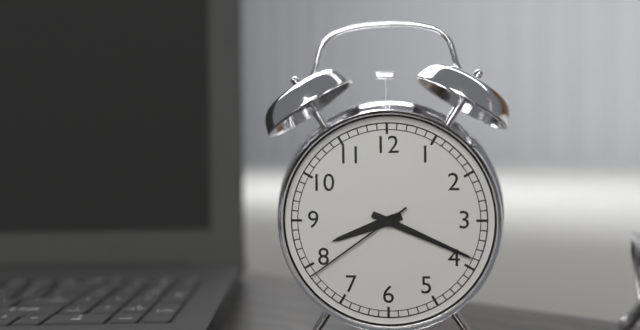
8:19:39
